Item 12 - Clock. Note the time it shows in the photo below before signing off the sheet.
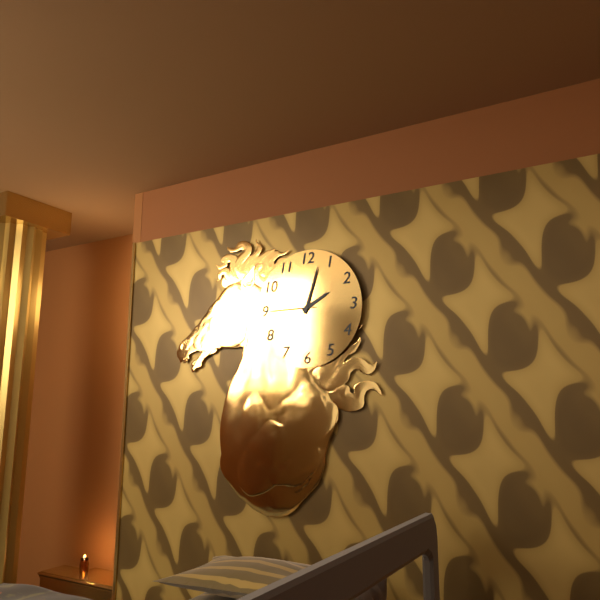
2:03:45
